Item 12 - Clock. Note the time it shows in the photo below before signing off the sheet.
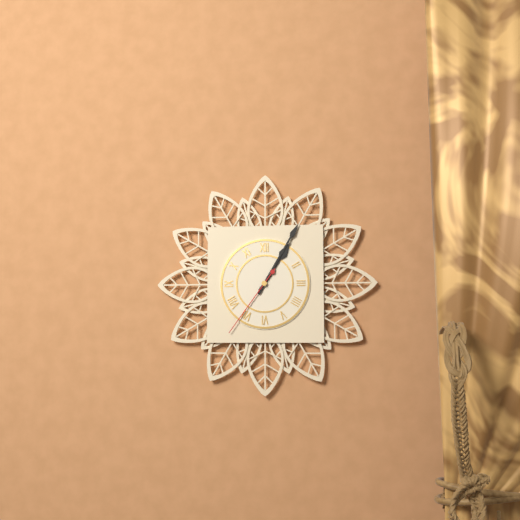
1:05:36
